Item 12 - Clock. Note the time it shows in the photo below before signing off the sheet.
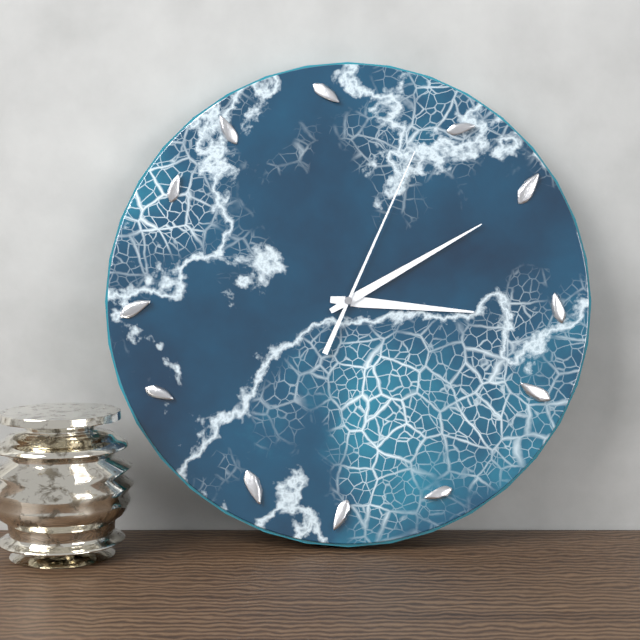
3:10:04
